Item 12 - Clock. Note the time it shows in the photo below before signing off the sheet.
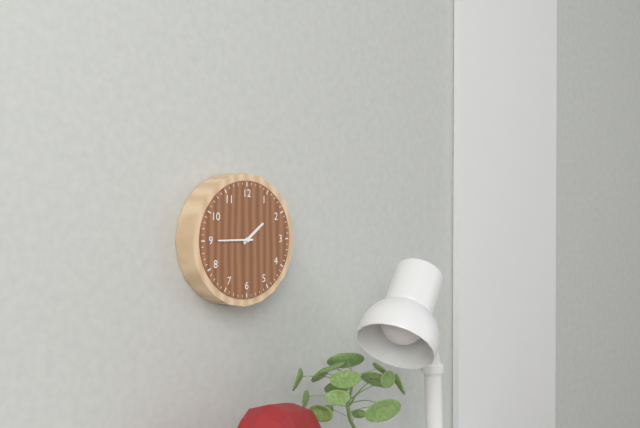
1:45
